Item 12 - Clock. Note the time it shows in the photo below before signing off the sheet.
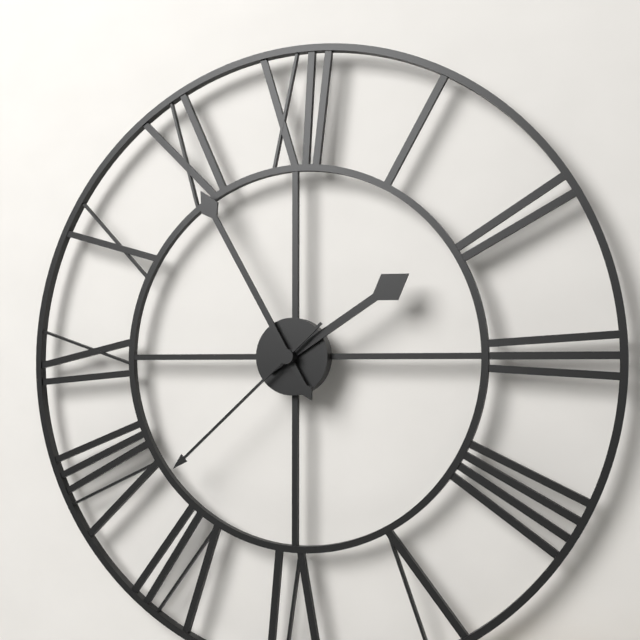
1:55:38
